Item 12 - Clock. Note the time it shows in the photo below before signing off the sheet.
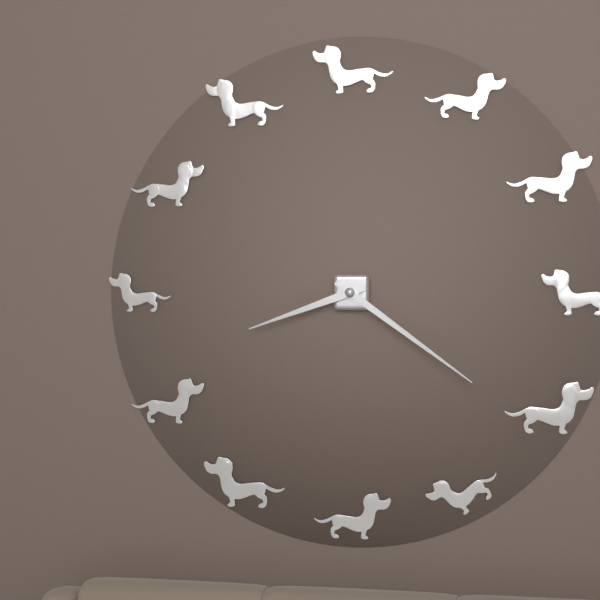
8:21
